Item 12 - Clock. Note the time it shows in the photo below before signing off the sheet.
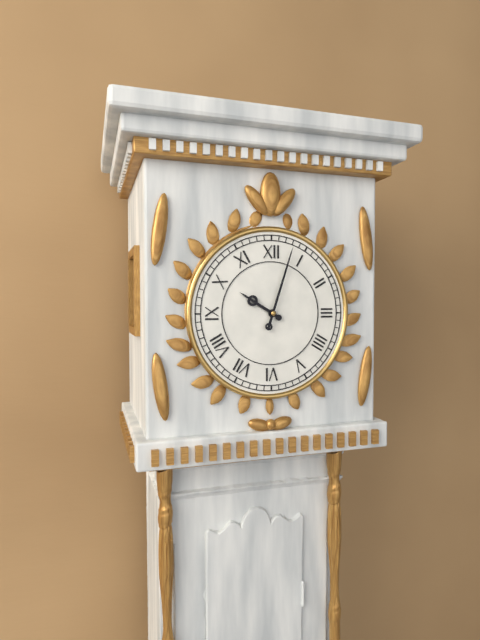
10:03
